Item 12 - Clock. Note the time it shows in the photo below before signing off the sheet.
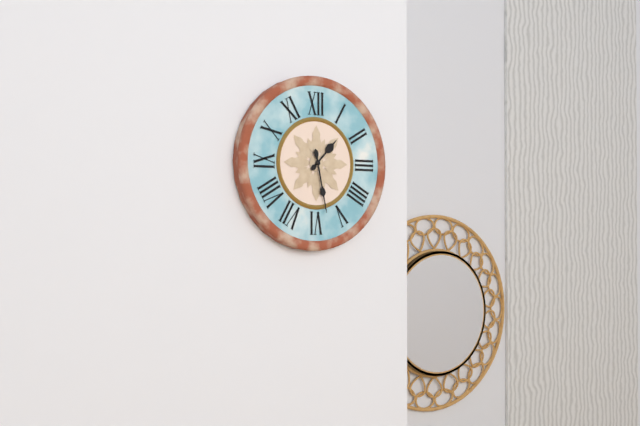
1:28
